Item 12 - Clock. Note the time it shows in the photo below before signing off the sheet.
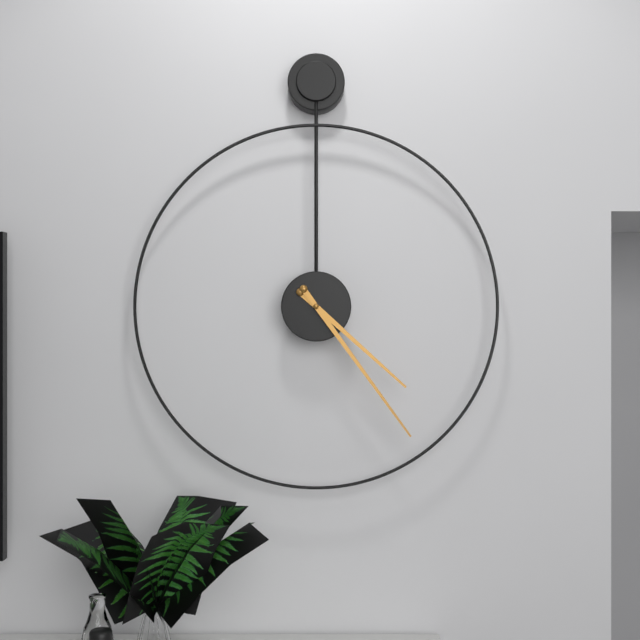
4:24
